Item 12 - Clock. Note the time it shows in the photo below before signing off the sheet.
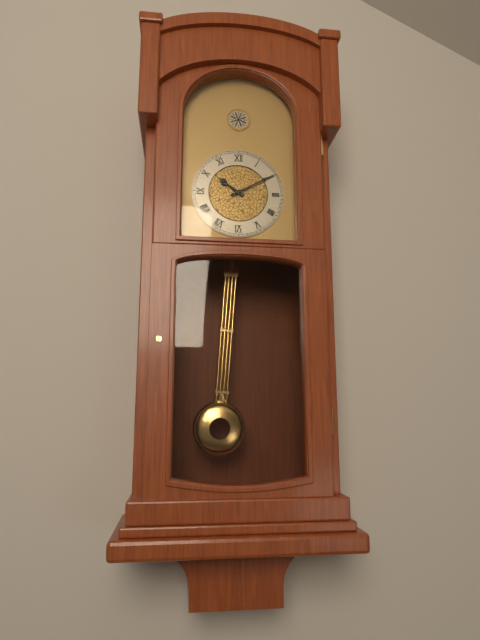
10:10
